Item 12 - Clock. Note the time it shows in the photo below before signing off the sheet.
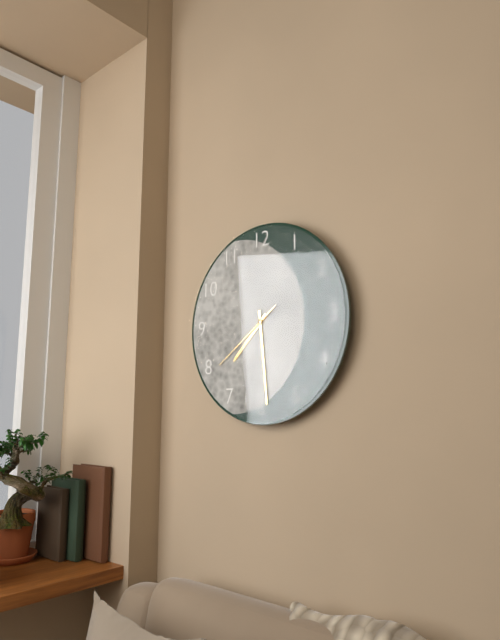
7:29:39
